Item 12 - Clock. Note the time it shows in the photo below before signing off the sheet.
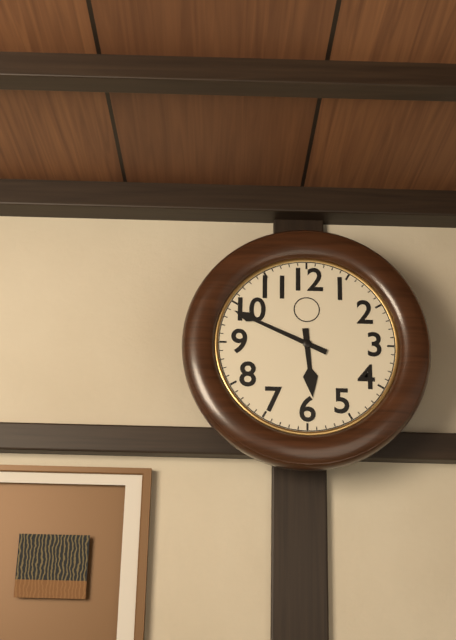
5:49
